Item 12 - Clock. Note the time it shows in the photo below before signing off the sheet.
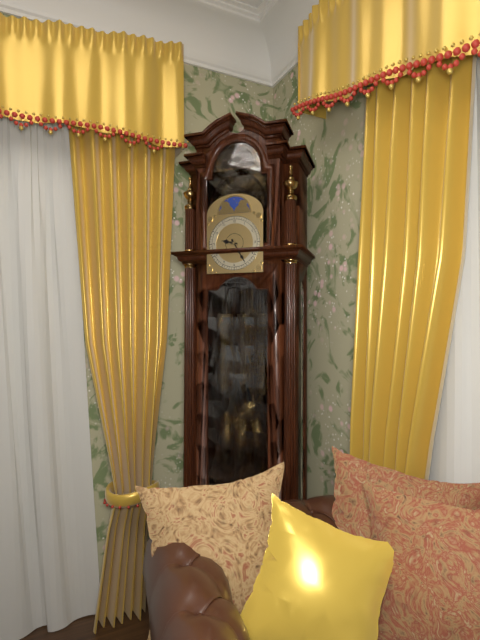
9:25
